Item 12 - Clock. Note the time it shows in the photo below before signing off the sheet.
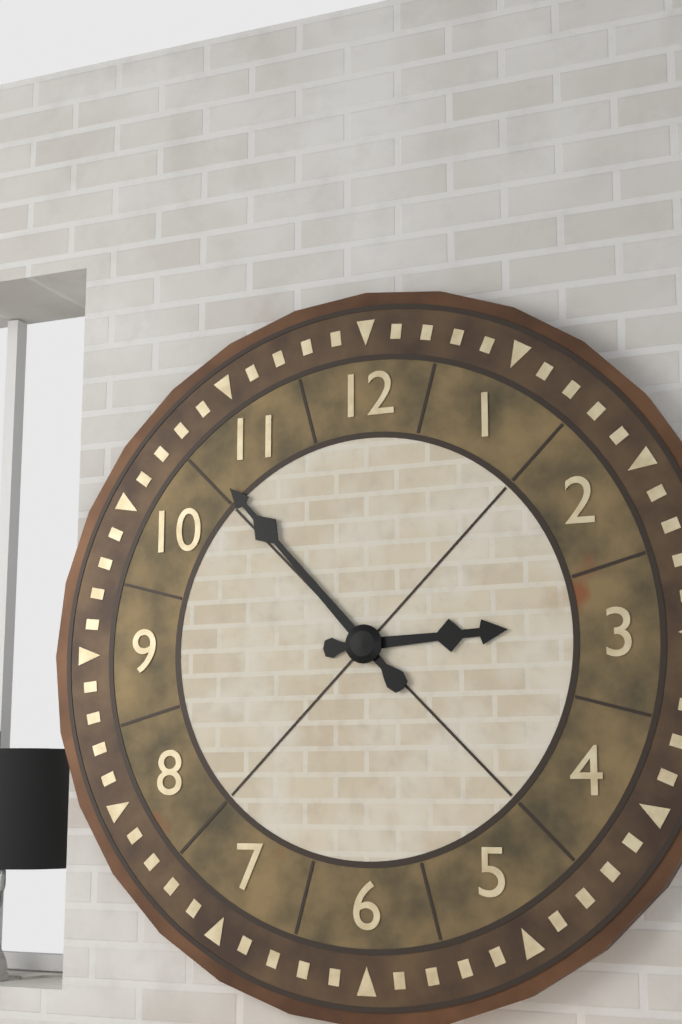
2:53
